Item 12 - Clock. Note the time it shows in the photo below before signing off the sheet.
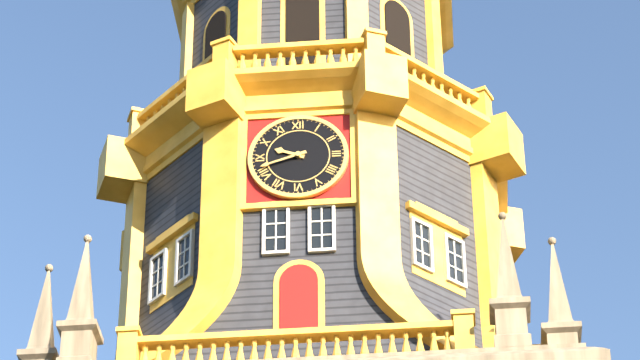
9:42
